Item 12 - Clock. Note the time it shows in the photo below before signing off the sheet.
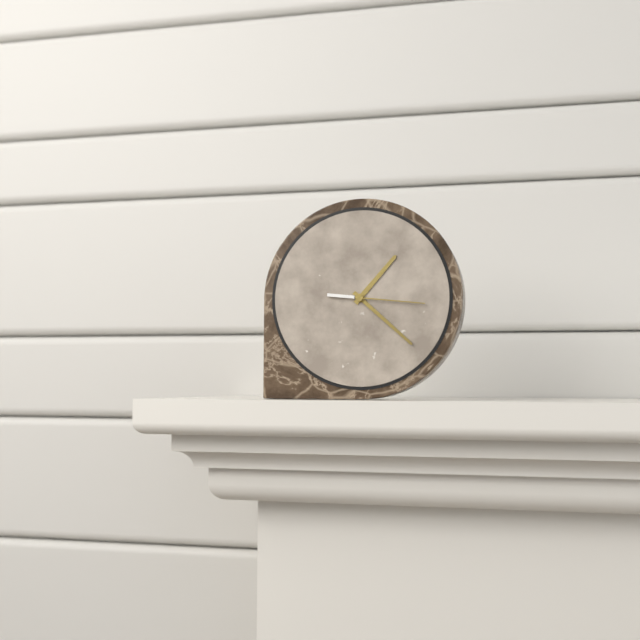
1:22:16
